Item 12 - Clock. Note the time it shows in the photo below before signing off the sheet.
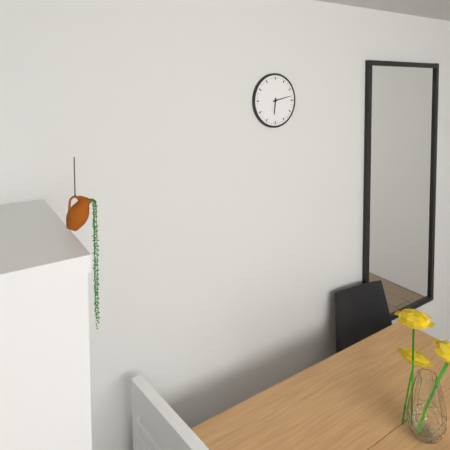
6:13
